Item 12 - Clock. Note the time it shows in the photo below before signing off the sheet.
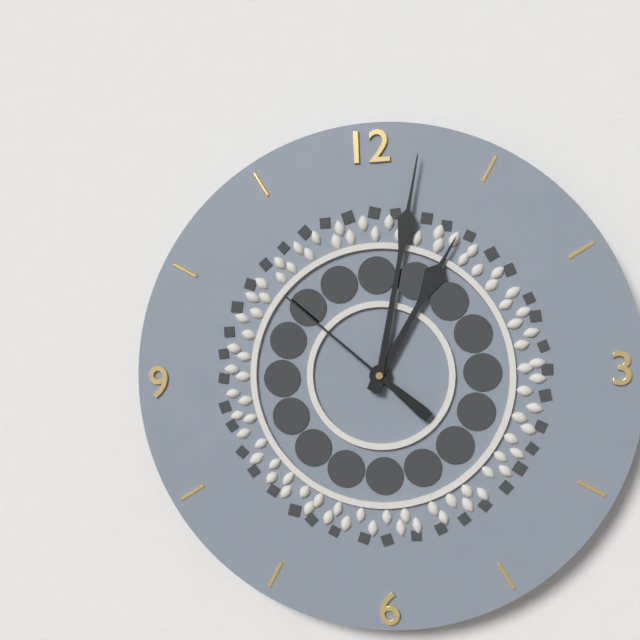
1:02:52
